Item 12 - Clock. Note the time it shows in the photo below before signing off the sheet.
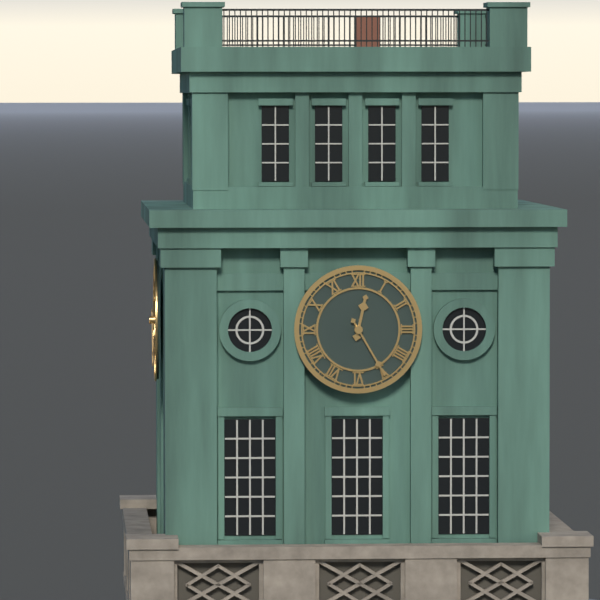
12:25
